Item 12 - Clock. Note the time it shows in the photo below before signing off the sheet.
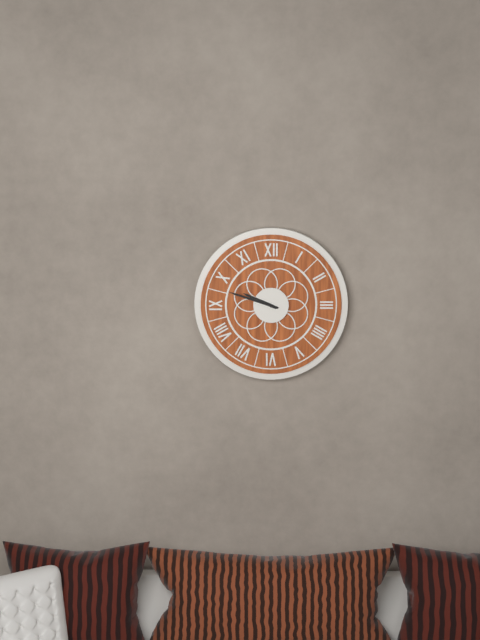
9:48
